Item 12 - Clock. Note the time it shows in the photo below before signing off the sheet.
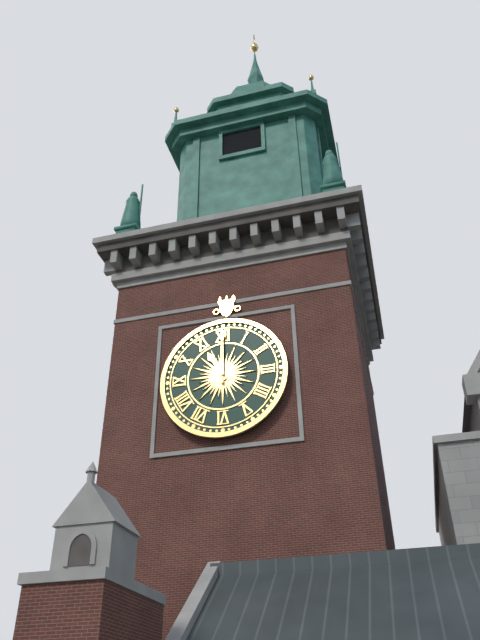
11:00
